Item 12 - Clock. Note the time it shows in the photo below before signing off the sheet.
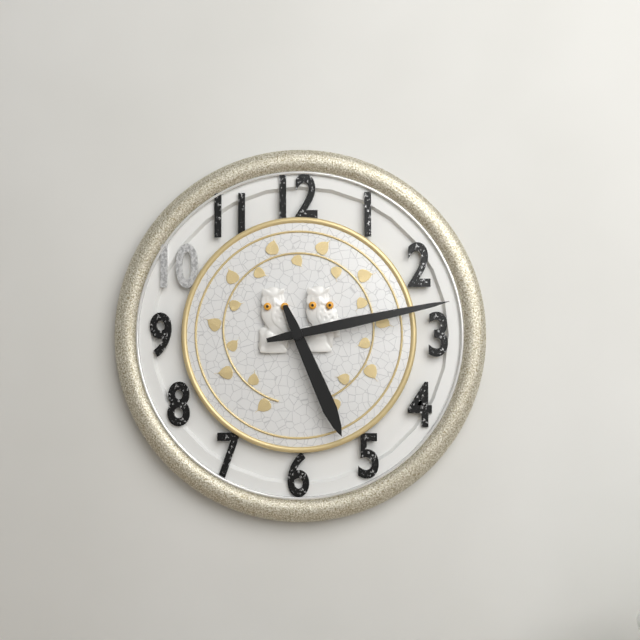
5:13
